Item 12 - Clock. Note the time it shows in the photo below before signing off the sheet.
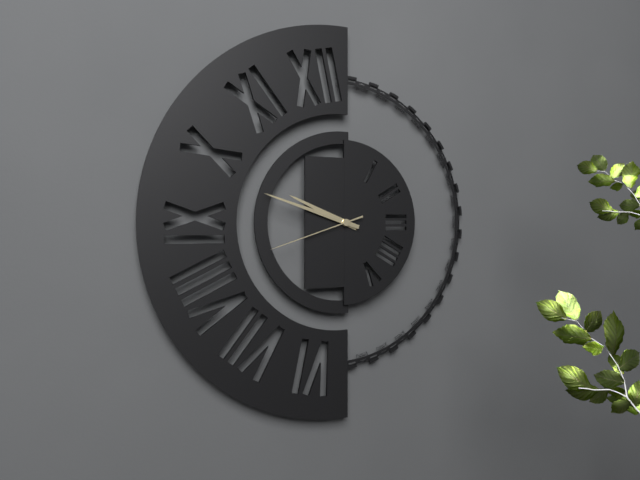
9:48:42
